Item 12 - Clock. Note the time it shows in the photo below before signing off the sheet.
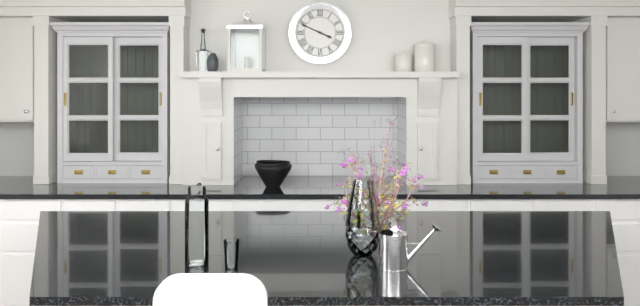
3:49
